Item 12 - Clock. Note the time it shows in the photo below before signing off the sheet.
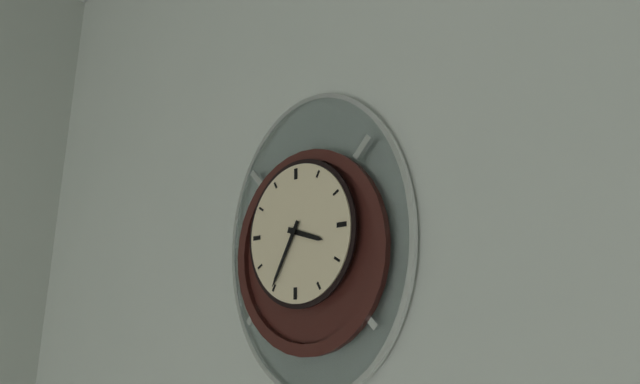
3:35
